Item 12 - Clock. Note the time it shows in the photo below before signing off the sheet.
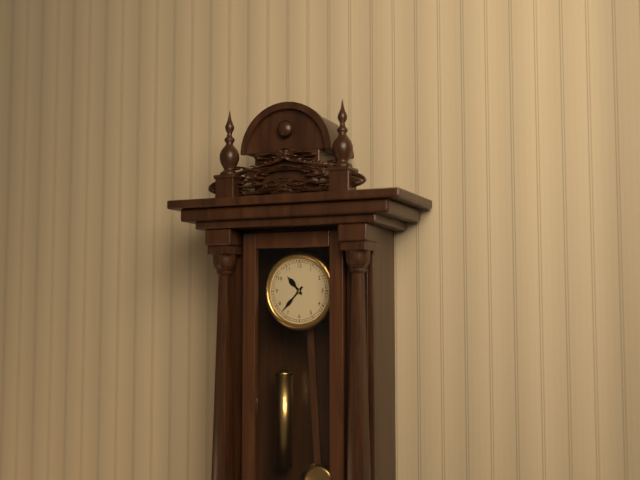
10:37
